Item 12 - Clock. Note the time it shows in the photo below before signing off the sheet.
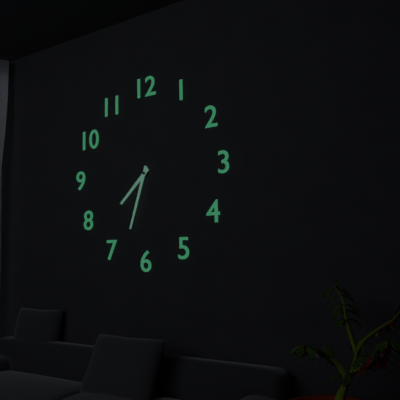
7:33
